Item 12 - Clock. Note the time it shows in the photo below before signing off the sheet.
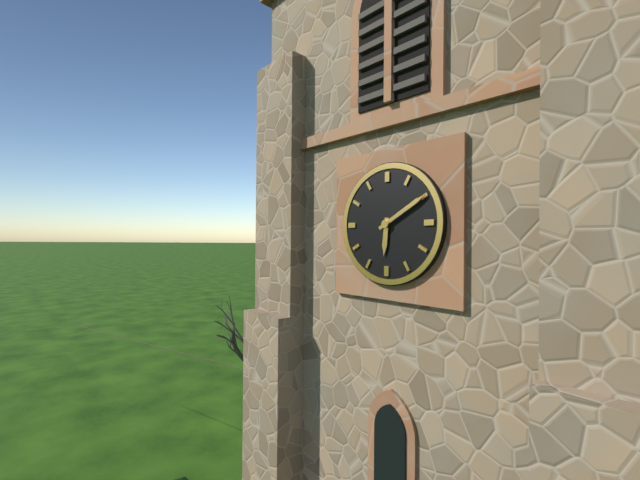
6:10
